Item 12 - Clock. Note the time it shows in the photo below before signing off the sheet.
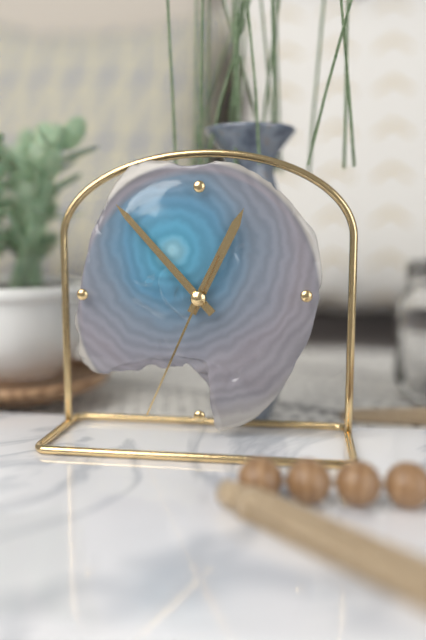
12:53:34
